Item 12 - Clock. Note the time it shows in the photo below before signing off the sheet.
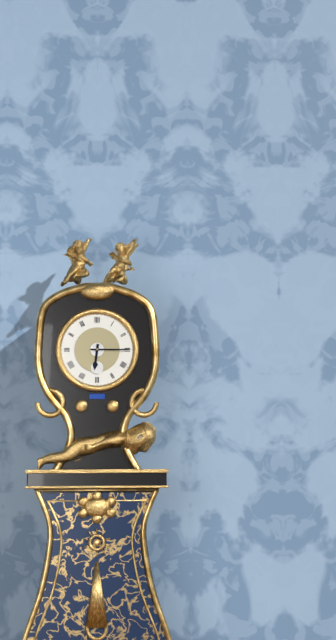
6:15
